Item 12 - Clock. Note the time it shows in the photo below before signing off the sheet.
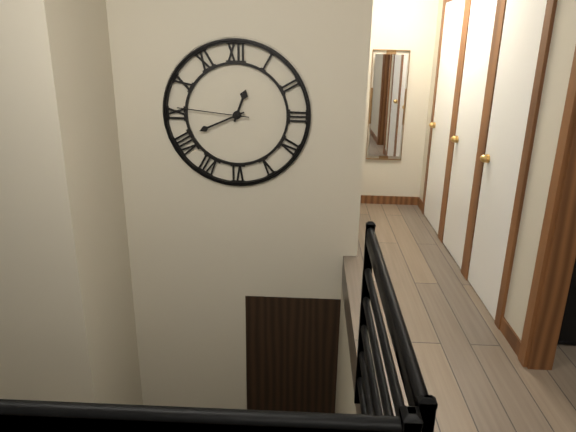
12:41:46
